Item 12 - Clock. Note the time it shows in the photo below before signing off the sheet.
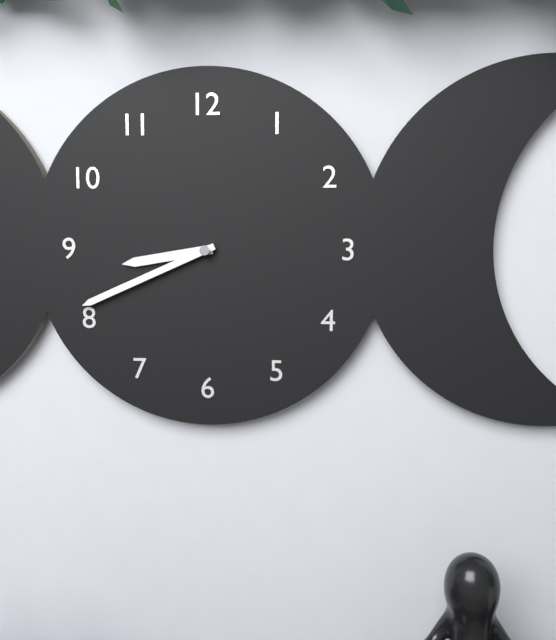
8:41
